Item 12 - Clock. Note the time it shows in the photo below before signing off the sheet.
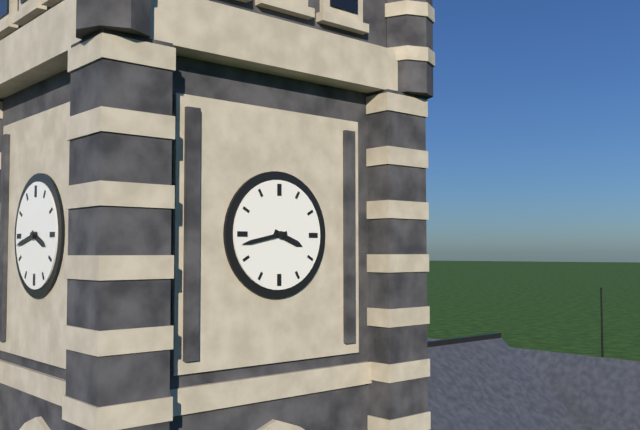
3:43
